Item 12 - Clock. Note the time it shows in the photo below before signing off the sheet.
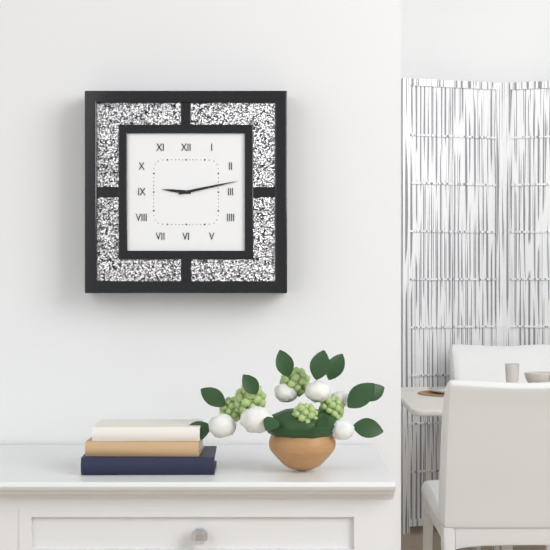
9:13
